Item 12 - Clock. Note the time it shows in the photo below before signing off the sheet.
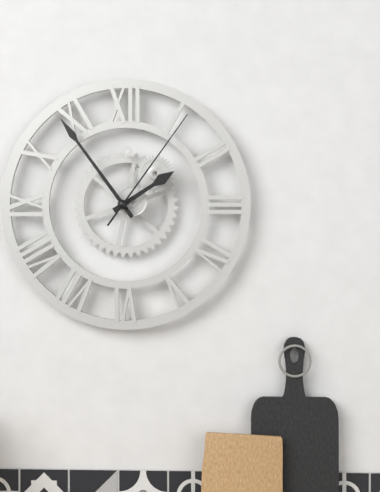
1:54:06
